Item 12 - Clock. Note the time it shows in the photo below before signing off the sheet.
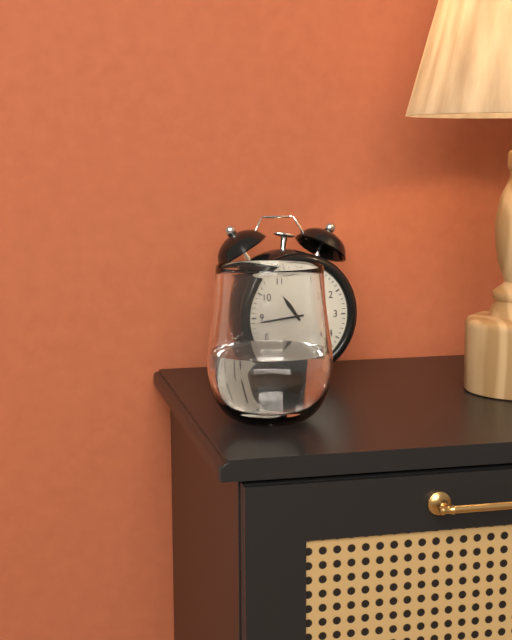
10:44
